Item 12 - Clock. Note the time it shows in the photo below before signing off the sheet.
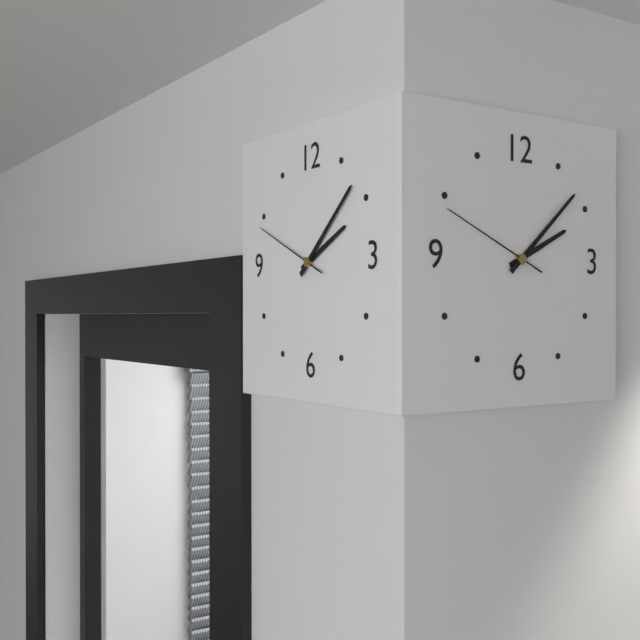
2:08:49
